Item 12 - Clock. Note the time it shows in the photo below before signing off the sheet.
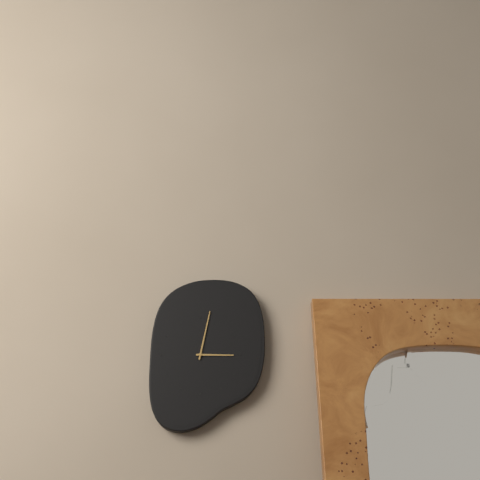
3:02
